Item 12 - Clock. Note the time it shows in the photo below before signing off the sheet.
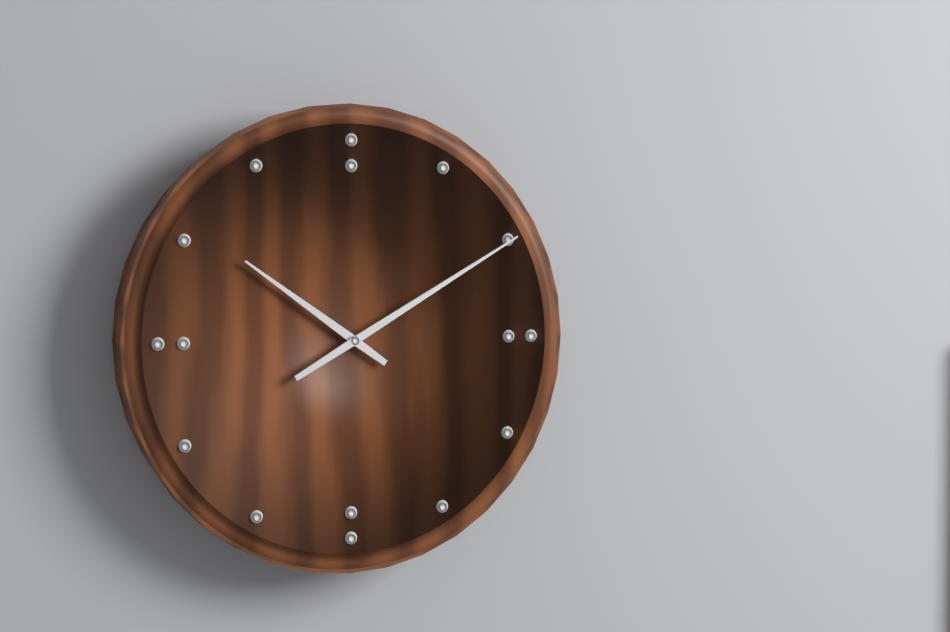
10:10
